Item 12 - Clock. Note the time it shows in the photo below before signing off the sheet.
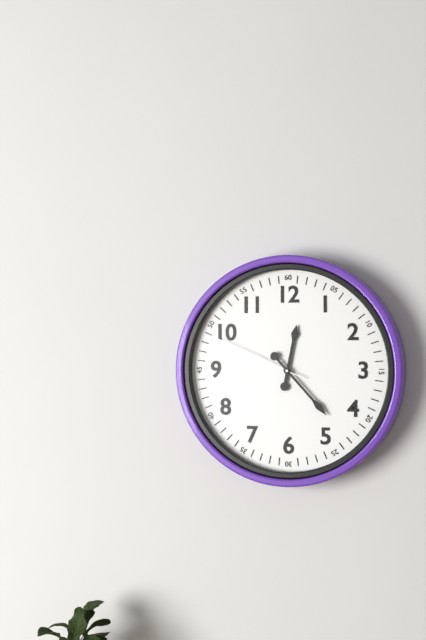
12:23:49
